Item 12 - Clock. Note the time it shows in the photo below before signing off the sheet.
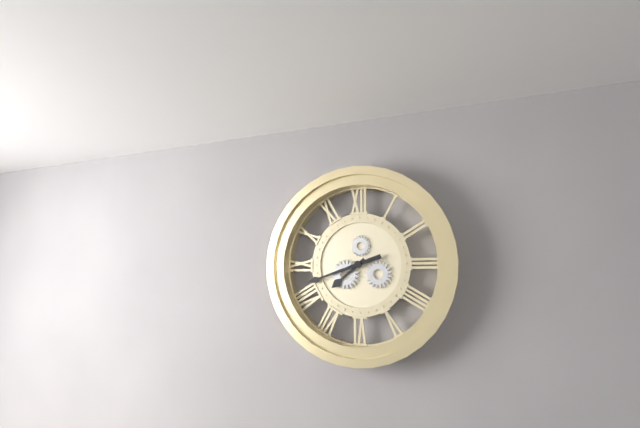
7:42
